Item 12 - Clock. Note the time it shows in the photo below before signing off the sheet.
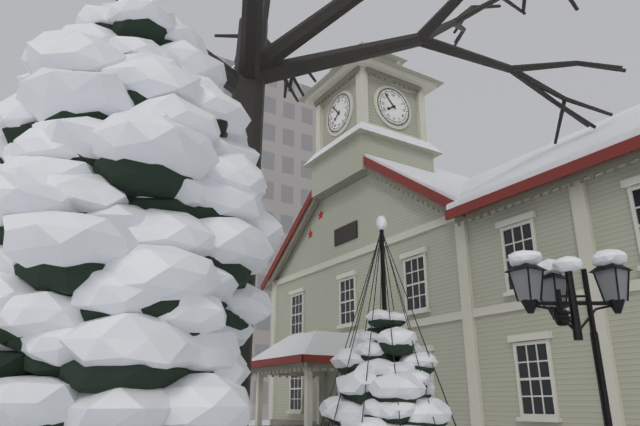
7:53
